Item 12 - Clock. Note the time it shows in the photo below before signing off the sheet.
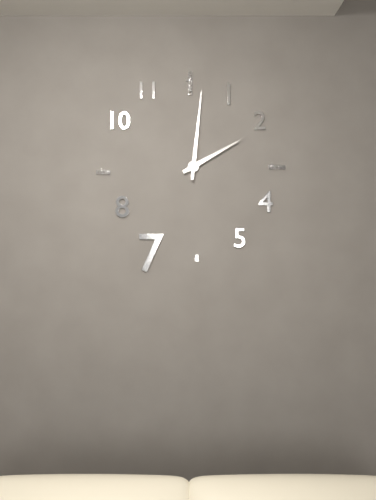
2:01
